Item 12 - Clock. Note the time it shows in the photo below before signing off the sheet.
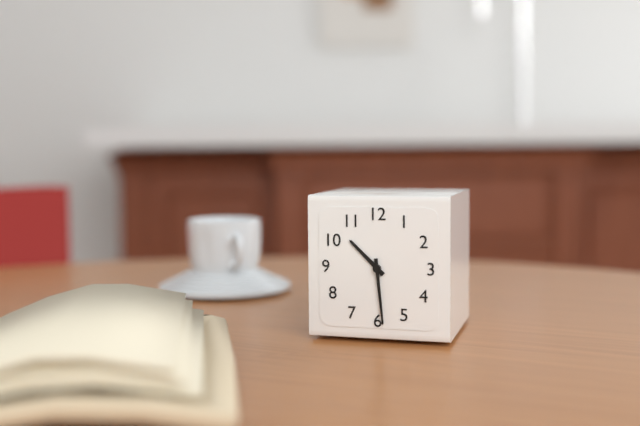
10:29
